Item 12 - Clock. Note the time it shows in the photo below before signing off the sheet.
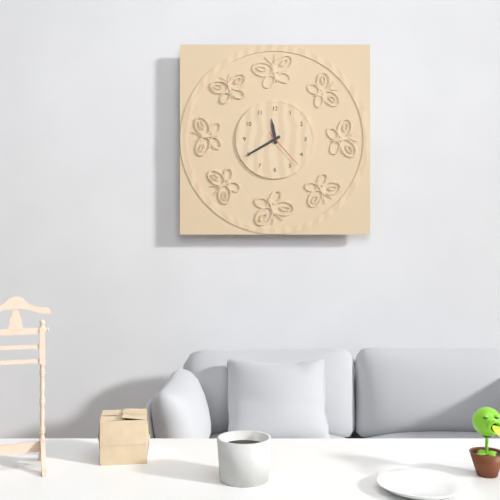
11:40
